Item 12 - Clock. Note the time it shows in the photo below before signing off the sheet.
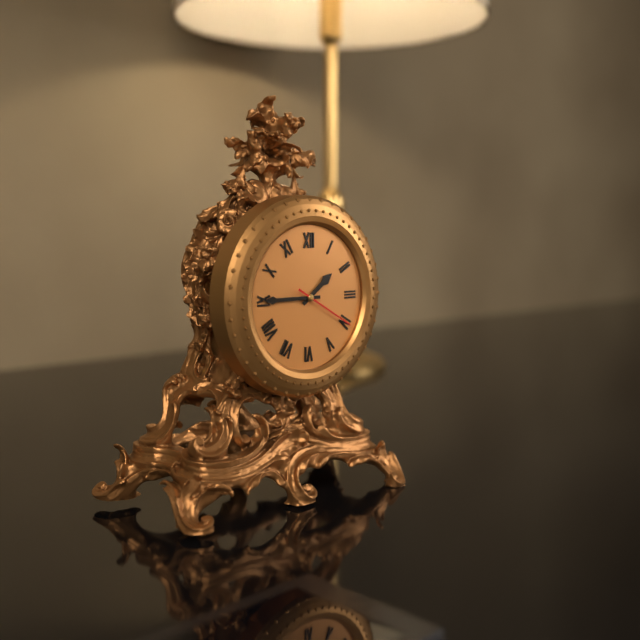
1:45:20
